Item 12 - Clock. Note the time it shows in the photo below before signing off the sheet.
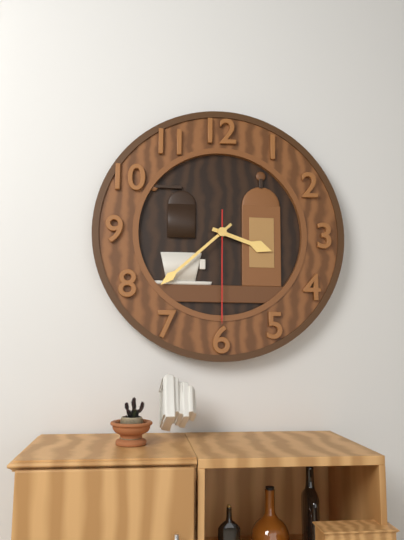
3:38:30
